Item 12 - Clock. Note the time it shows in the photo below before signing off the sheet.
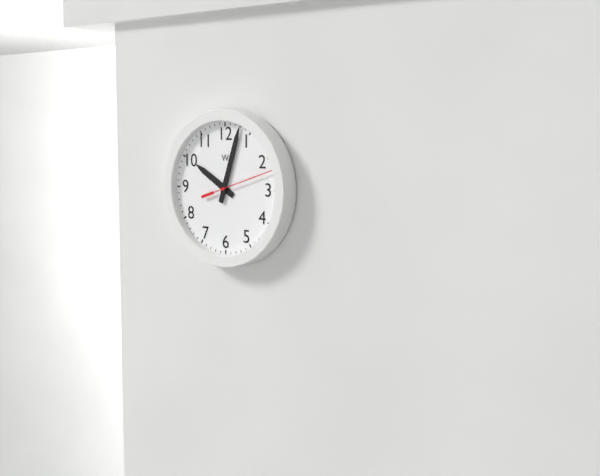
10:03:12
